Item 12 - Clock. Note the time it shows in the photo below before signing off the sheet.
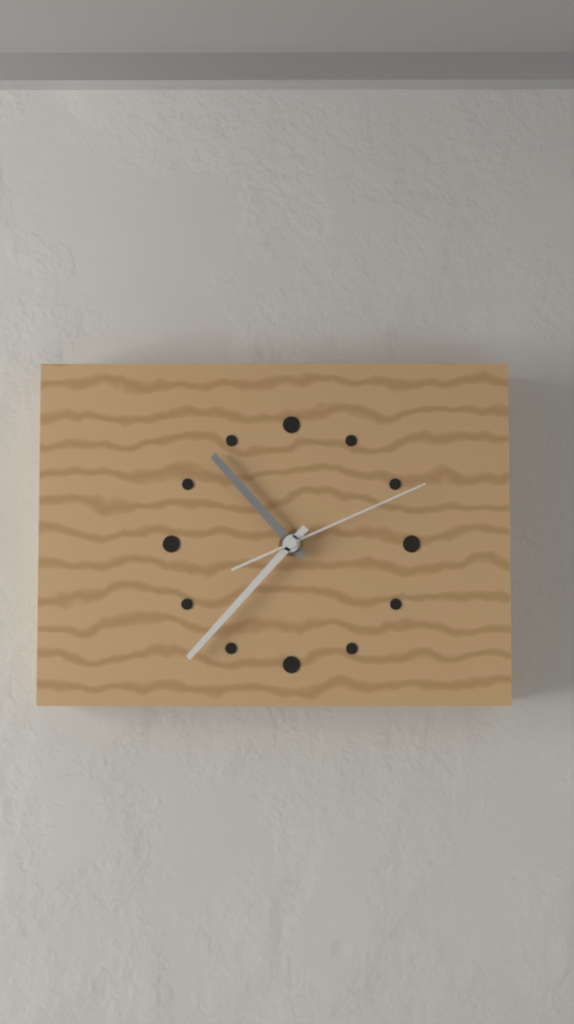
10:37:11
